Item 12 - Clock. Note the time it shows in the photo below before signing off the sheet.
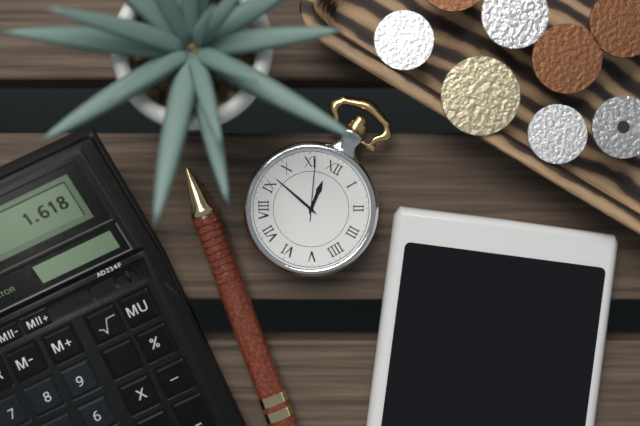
11:47:56
